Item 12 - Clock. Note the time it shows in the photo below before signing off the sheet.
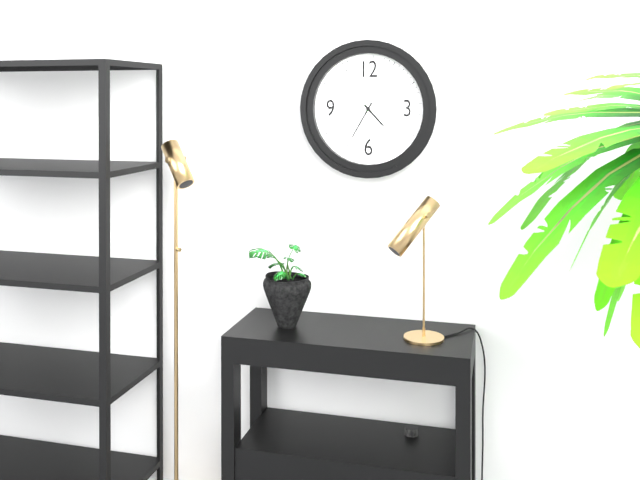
4:35
